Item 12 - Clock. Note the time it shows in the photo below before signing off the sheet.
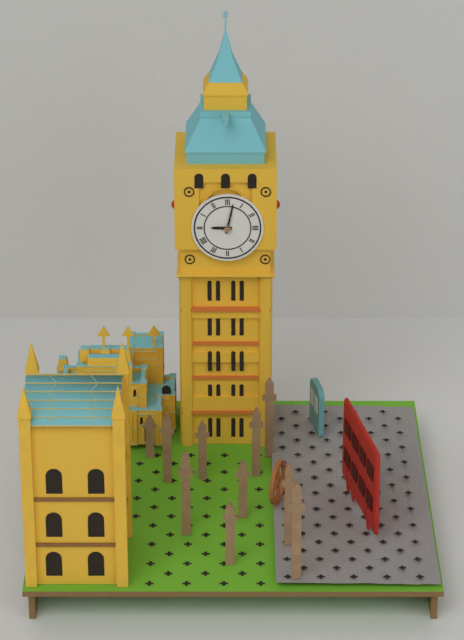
9:02
